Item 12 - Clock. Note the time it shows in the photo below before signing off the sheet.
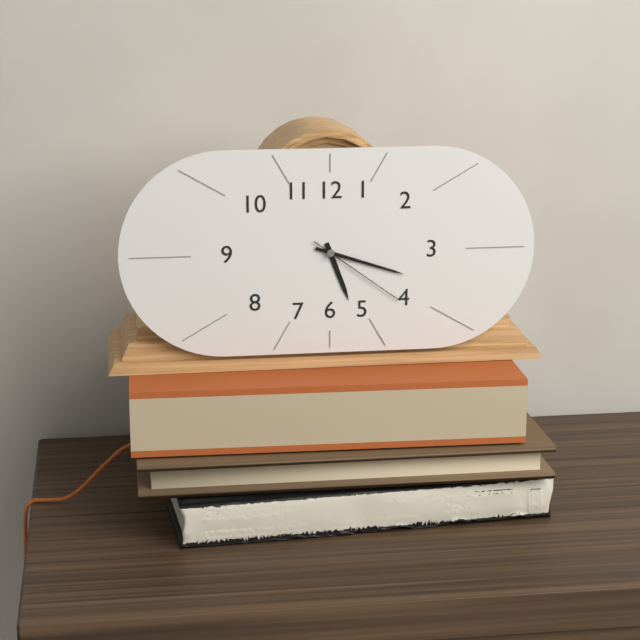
5:18:21
